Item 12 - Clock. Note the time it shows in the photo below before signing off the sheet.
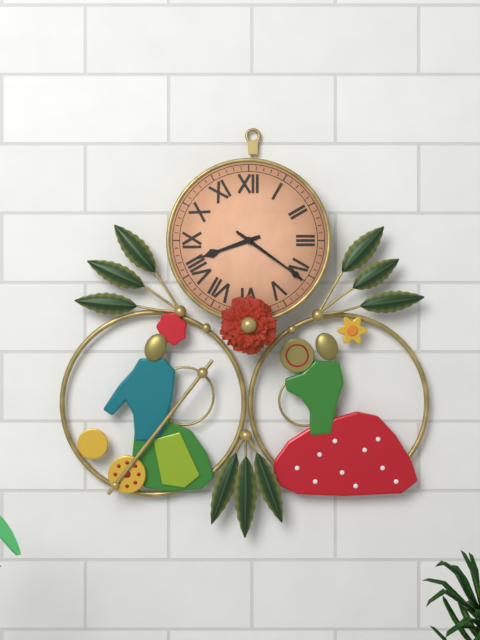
8:21
